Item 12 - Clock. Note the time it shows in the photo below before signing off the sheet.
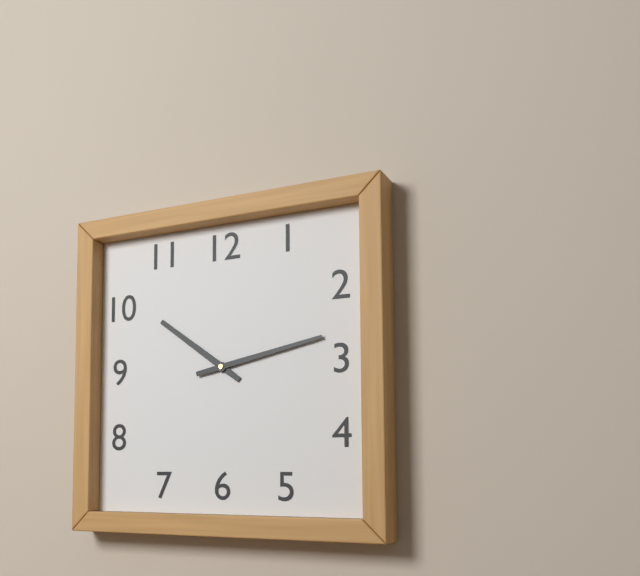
10:13
